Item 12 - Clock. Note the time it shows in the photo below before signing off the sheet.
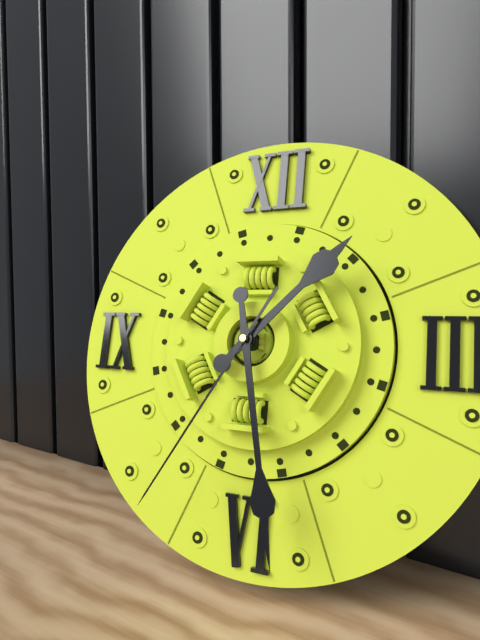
1:28:35
